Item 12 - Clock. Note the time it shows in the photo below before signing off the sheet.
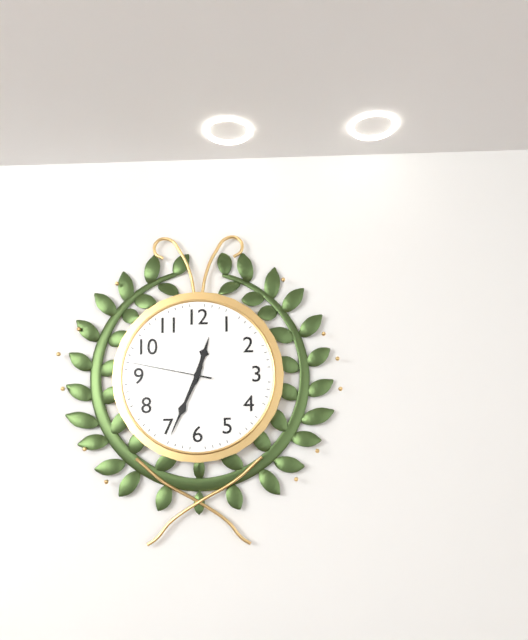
12:34:47
